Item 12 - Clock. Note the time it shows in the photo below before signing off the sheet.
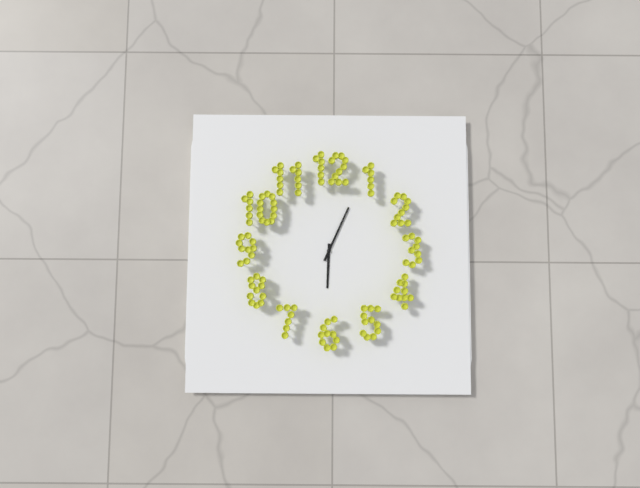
6:04
